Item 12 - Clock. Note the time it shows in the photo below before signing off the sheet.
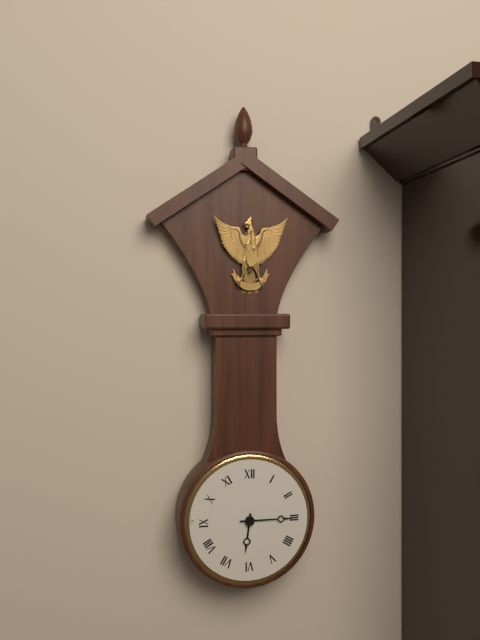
6:15
